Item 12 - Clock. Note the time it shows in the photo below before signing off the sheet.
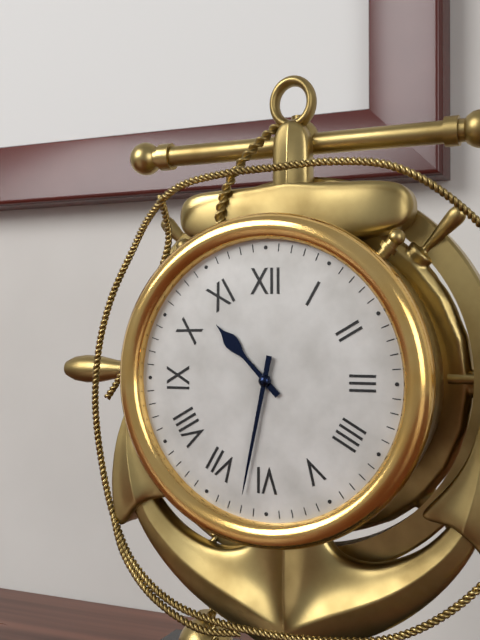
10:32
